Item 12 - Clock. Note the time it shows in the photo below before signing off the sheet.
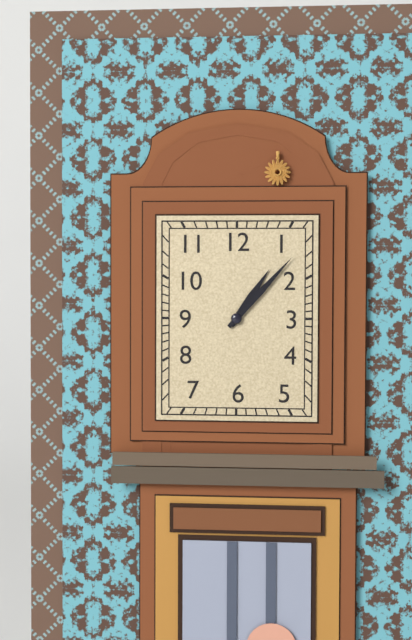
1:07
